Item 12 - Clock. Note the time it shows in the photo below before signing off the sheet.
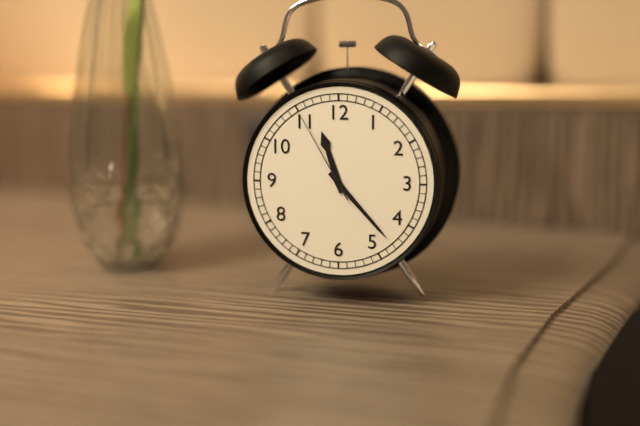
11:23:55
